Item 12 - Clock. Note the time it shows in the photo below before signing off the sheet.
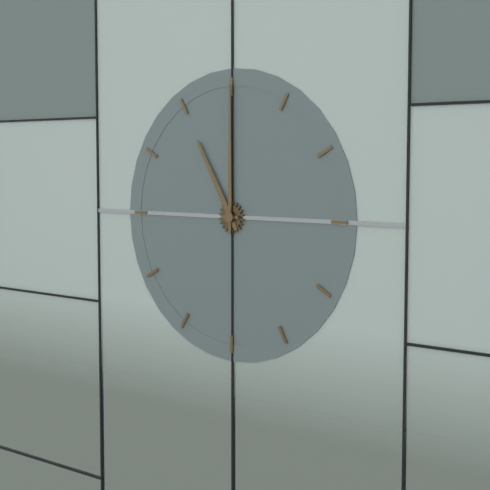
11:00
